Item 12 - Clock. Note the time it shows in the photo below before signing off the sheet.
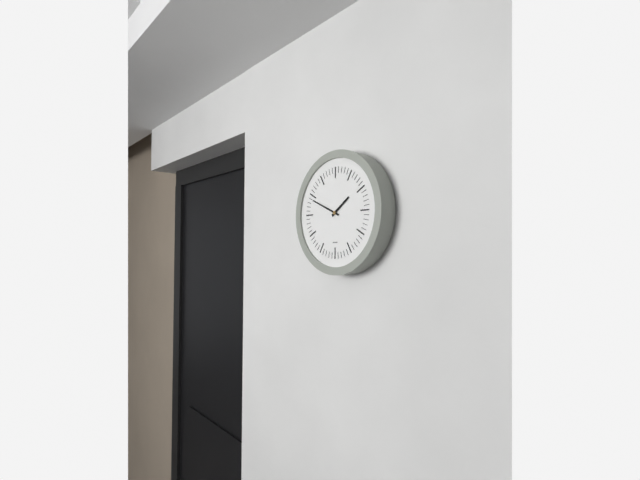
1:49
